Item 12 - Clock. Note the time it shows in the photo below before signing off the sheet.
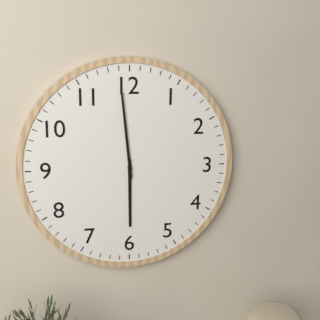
5:59
